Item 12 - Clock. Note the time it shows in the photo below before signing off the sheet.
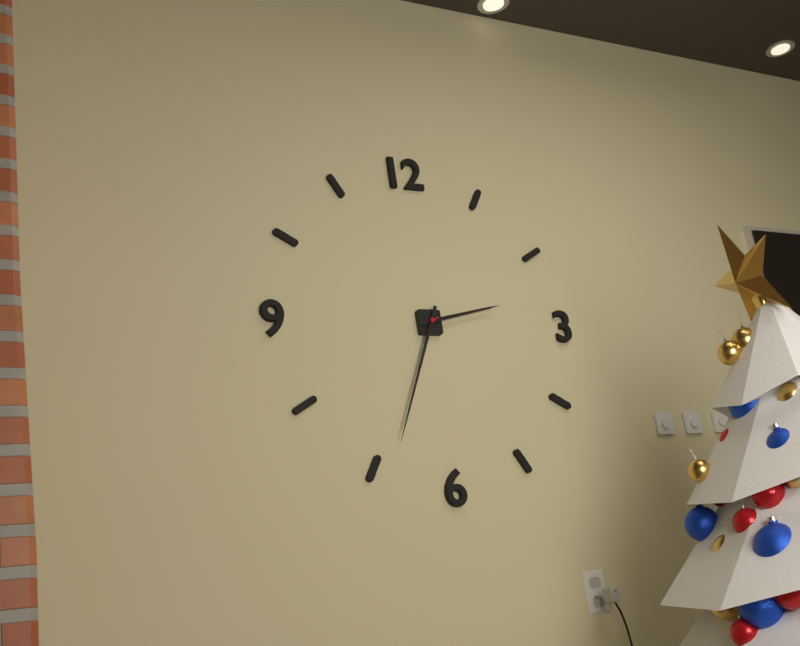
2:34
